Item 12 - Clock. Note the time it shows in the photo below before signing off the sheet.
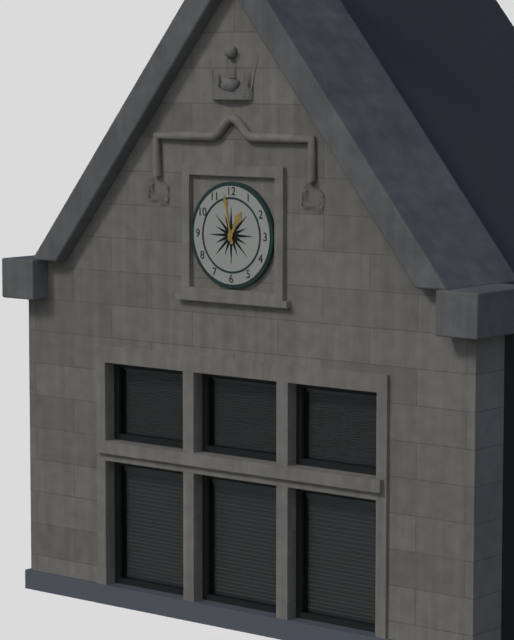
12:58
